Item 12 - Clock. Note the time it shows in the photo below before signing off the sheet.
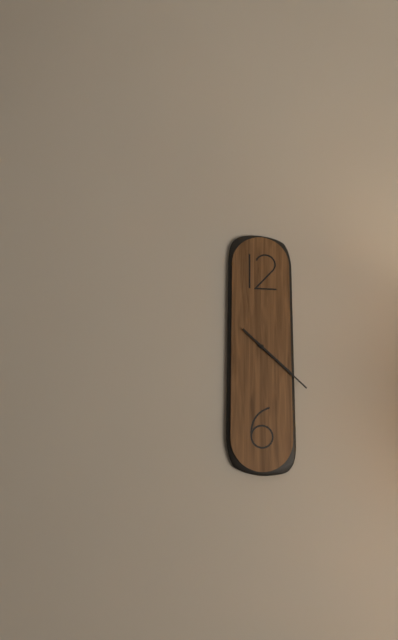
4:22
